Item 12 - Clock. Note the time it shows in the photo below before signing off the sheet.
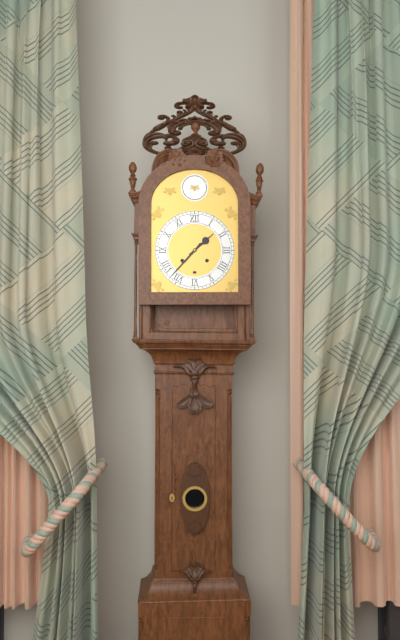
1:37
